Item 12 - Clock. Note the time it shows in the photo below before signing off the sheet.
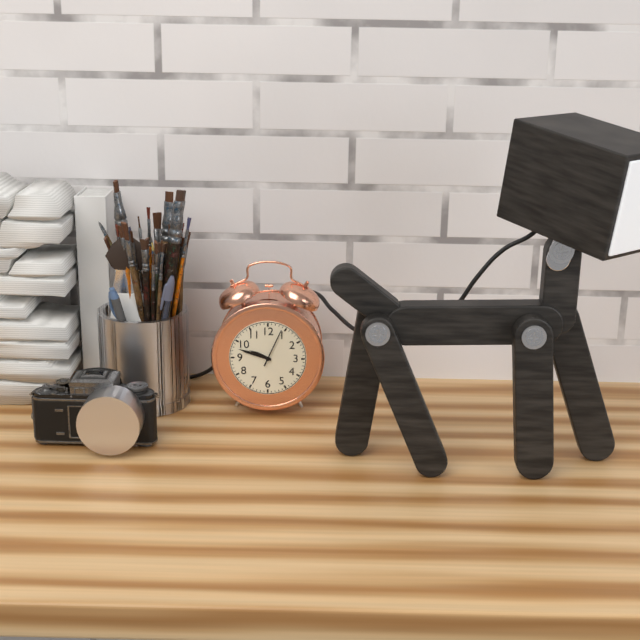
9:48
